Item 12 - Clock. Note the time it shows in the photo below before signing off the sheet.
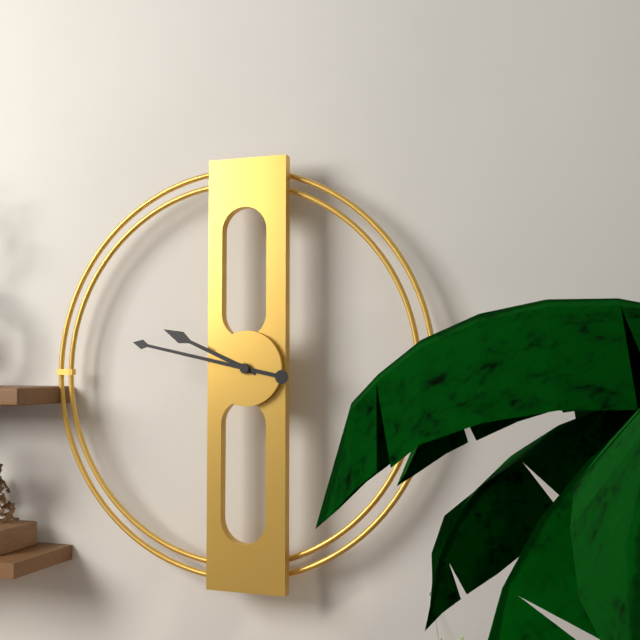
9:47
